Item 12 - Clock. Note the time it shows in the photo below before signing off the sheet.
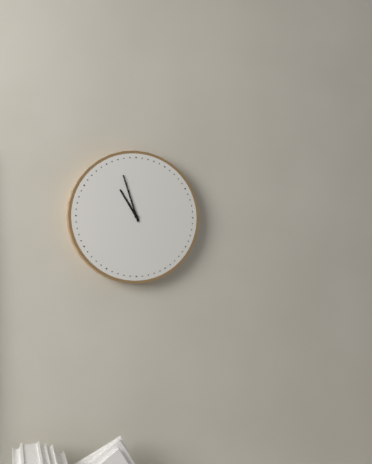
10:57
